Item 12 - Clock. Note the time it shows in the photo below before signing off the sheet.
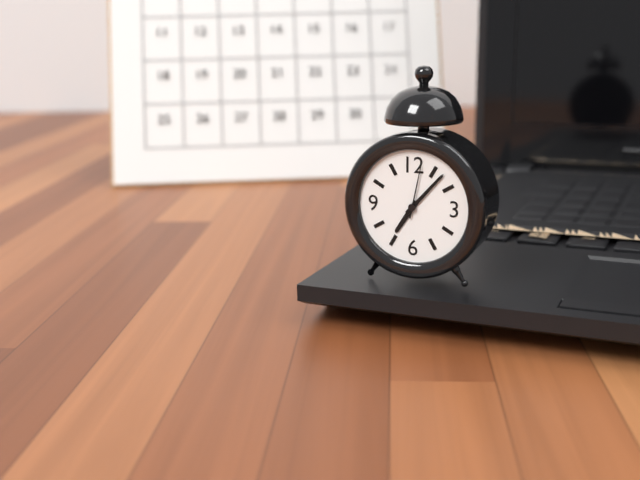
7:07:02
